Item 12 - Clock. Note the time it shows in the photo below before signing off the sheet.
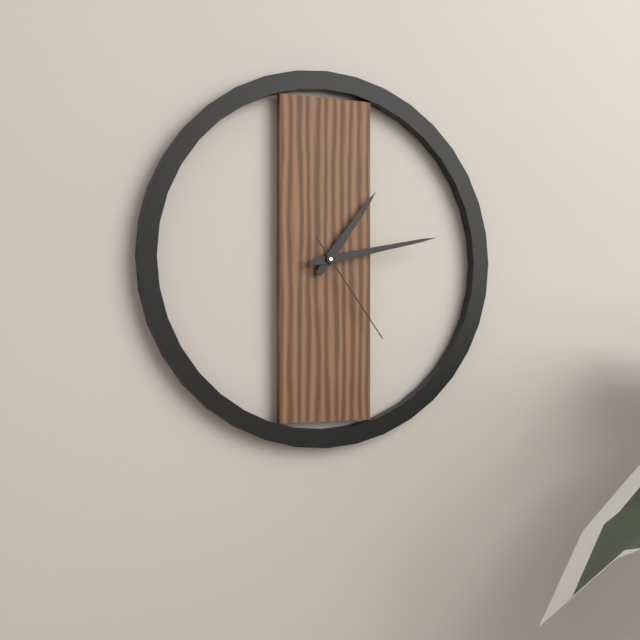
1:13:24
